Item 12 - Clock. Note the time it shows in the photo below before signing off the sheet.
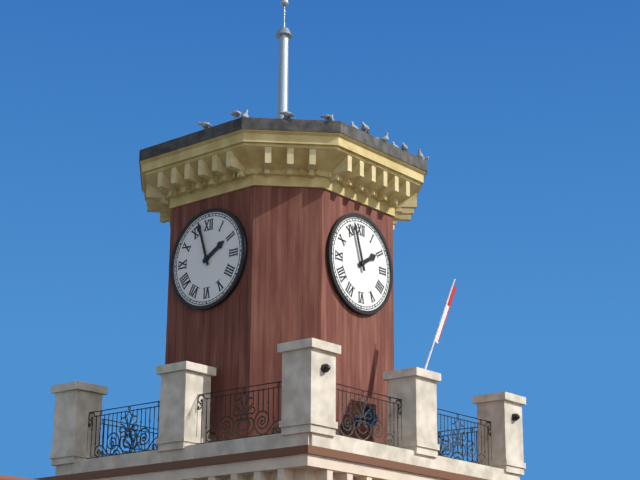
1:57
